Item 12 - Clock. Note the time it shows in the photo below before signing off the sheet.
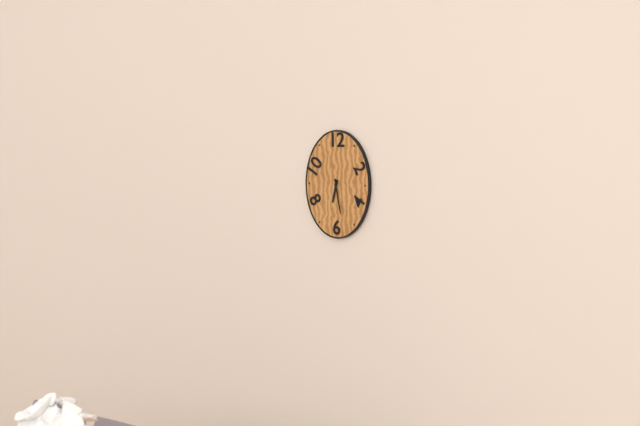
6:28
